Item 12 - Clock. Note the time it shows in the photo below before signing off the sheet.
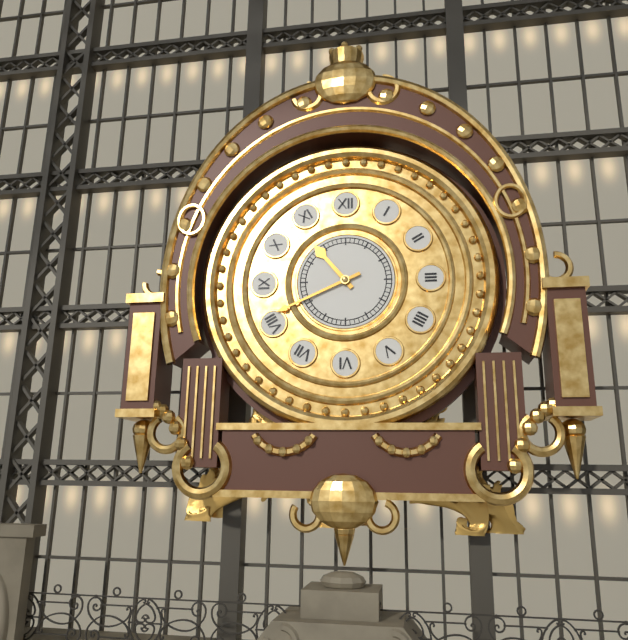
10:41
